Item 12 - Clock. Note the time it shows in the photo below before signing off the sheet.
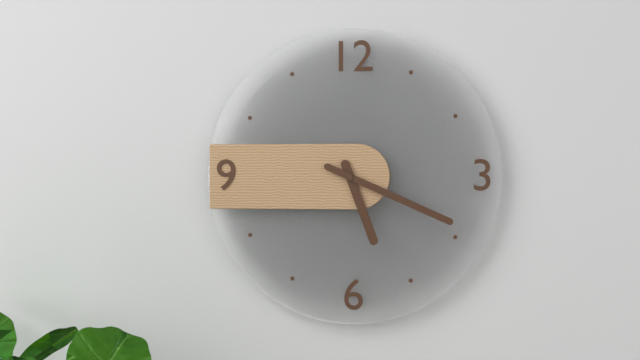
5:19
